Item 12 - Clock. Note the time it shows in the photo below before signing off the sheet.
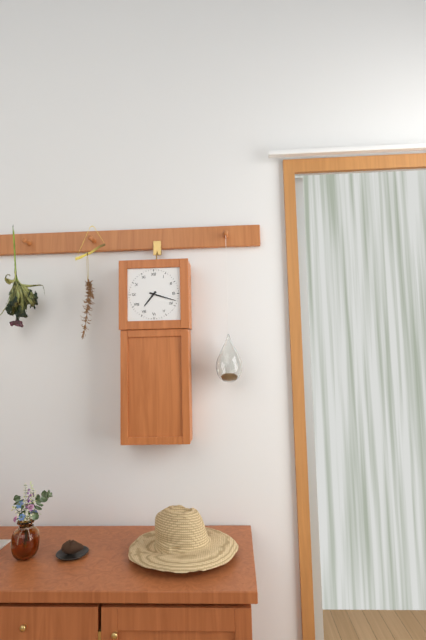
7:18
